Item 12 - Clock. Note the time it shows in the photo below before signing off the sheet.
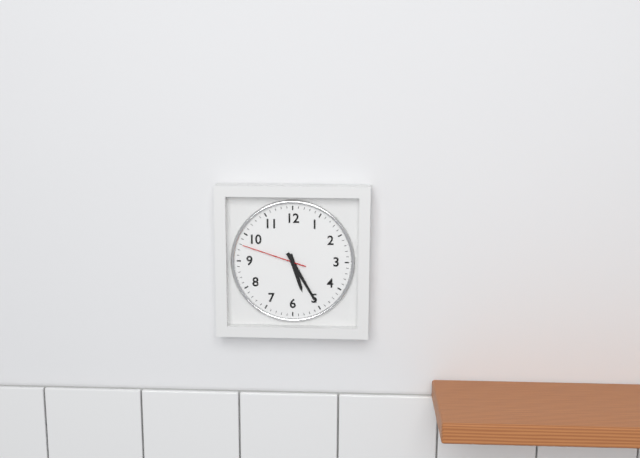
5:25:48
